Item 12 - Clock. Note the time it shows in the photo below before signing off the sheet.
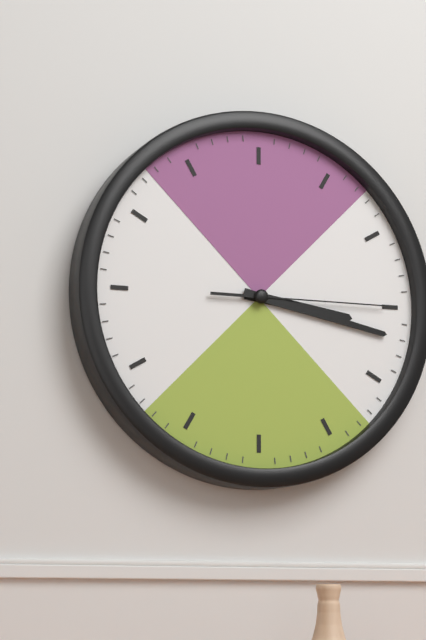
3:17:15
